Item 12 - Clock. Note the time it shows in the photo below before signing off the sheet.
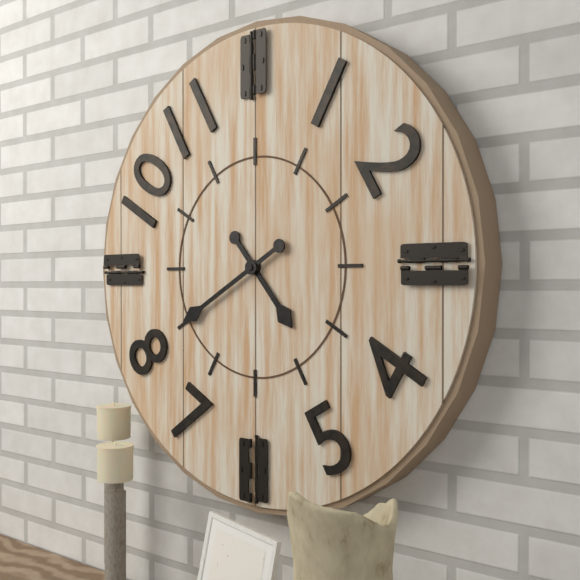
4:40
